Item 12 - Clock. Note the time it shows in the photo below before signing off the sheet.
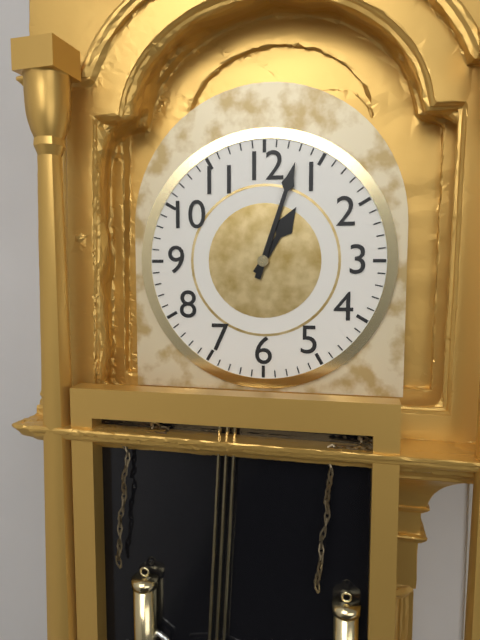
1:03
